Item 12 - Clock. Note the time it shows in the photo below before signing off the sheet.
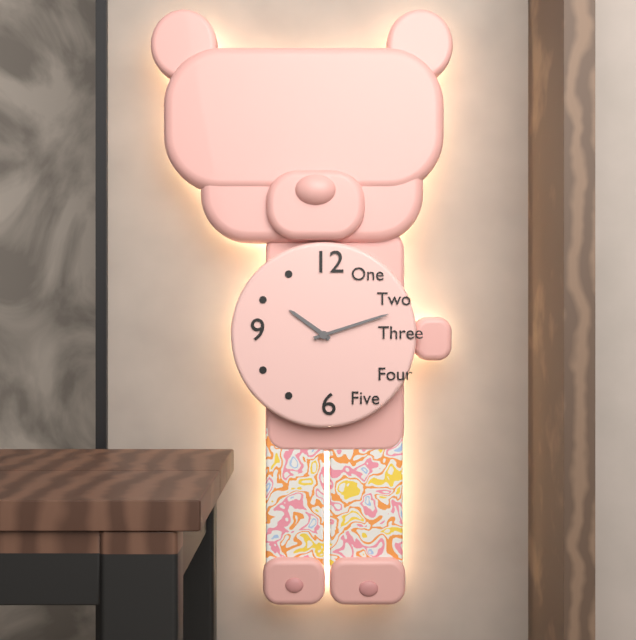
10:12
